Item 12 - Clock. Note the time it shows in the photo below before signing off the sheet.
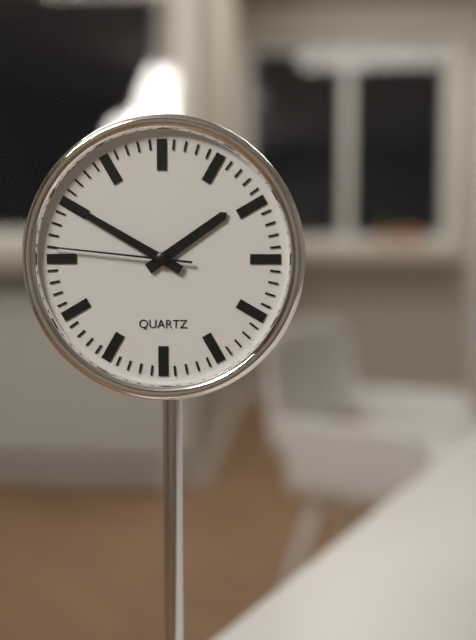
1:50:46
